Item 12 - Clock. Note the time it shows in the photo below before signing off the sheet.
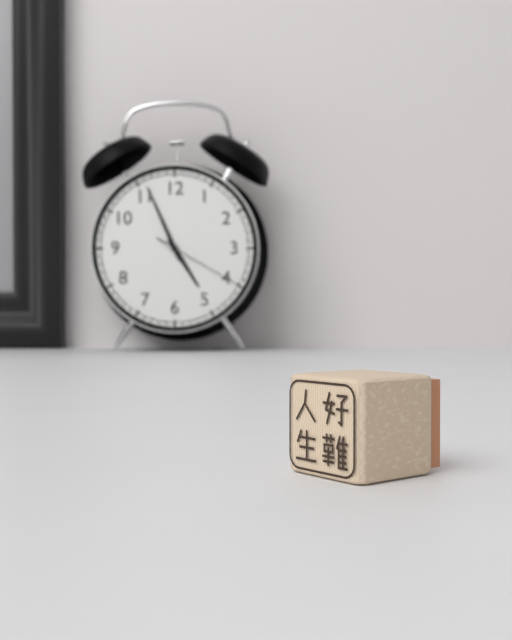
4:56:20
